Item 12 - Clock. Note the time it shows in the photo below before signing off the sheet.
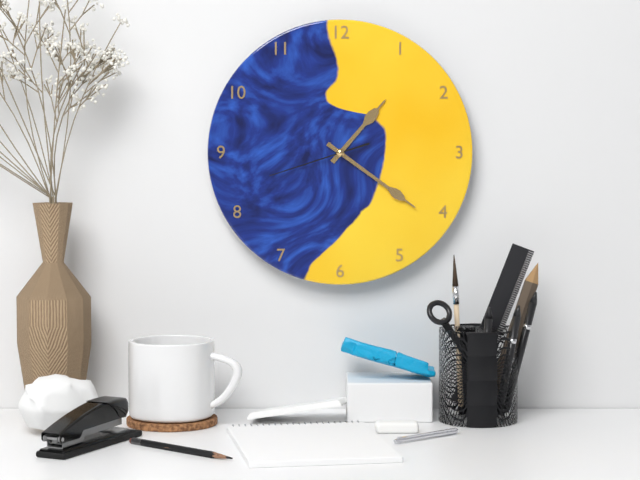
1:21:42
